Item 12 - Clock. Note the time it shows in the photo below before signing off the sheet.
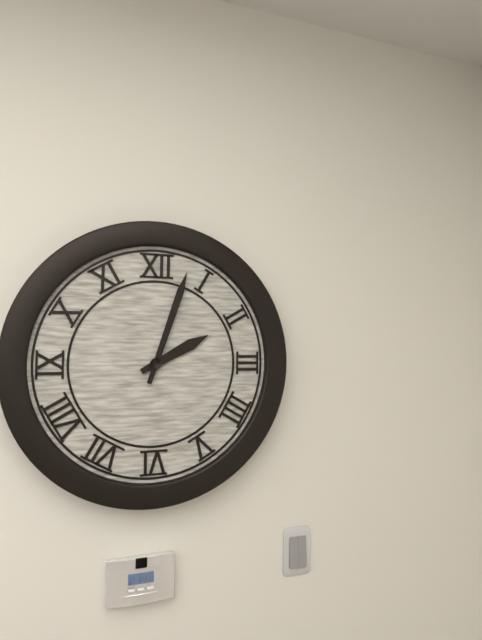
2:03
